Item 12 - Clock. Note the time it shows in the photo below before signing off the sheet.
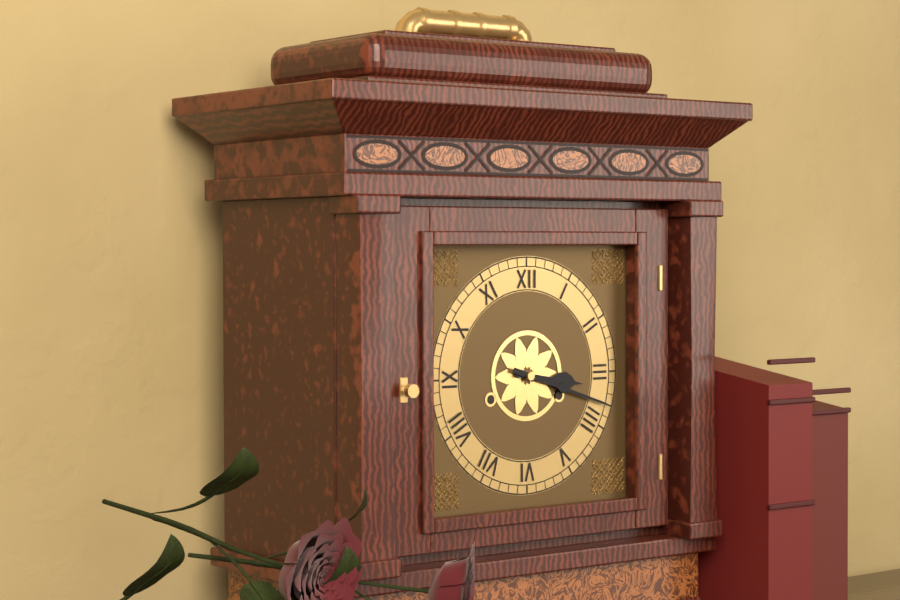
3:18
